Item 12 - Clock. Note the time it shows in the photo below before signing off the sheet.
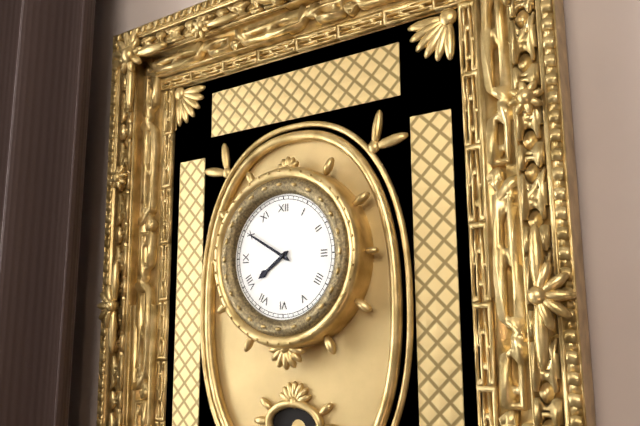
7:50
